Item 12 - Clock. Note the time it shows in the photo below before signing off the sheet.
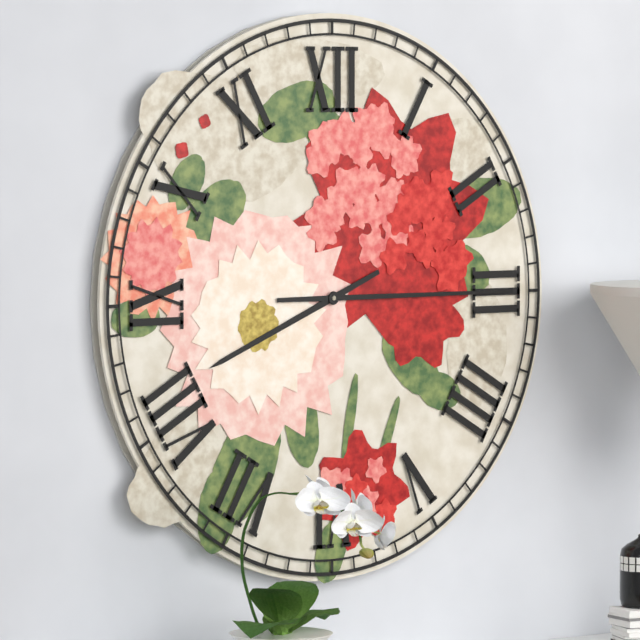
8:15
